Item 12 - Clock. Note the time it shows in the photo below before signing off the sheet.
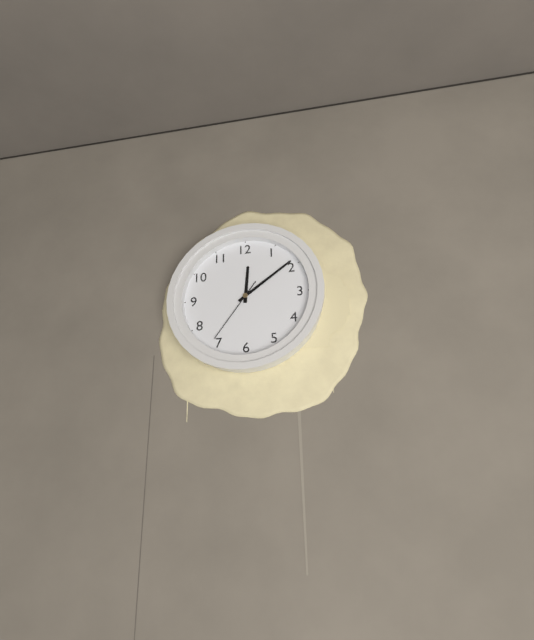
12:09:36
